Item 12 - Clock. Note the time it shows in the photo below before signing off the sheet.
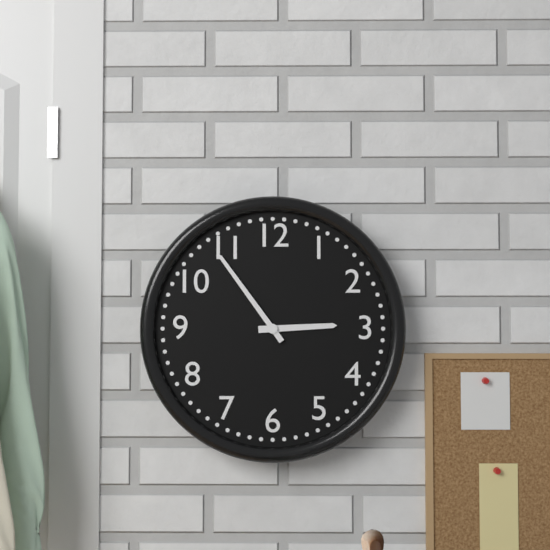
2:54
